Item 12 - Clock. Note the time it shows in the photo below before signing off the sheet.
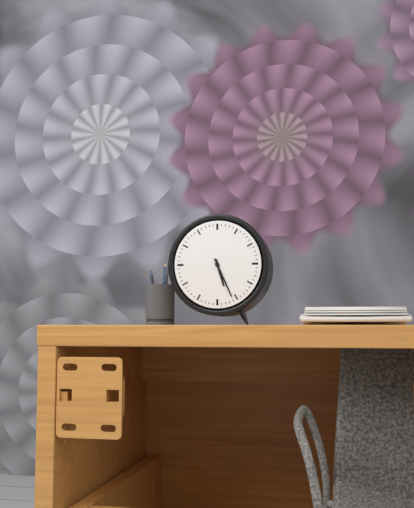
5:26
